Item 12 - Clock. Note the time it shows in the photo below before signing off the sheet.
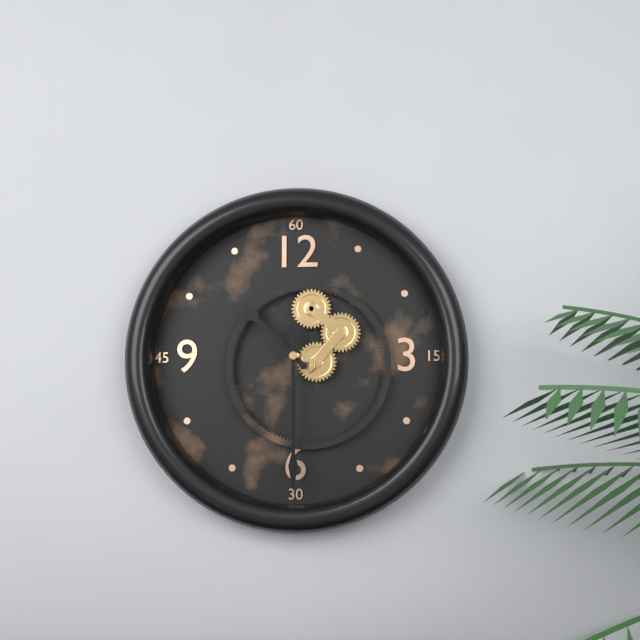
10:30
